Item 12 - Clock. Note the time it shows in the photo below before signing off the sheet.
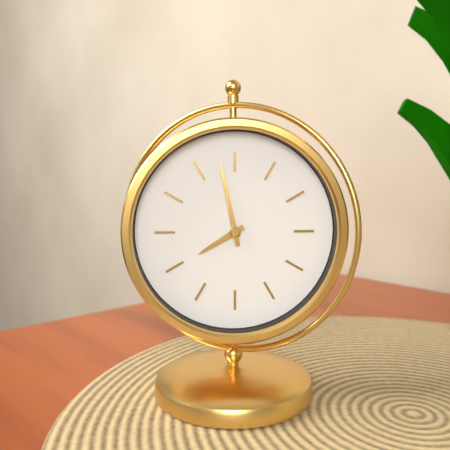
7:58
